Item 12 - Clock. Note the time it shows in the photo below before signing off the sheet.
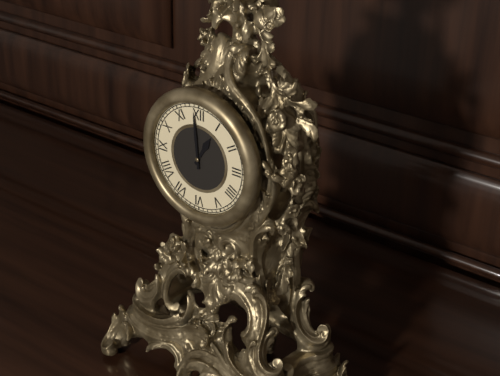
12:59
